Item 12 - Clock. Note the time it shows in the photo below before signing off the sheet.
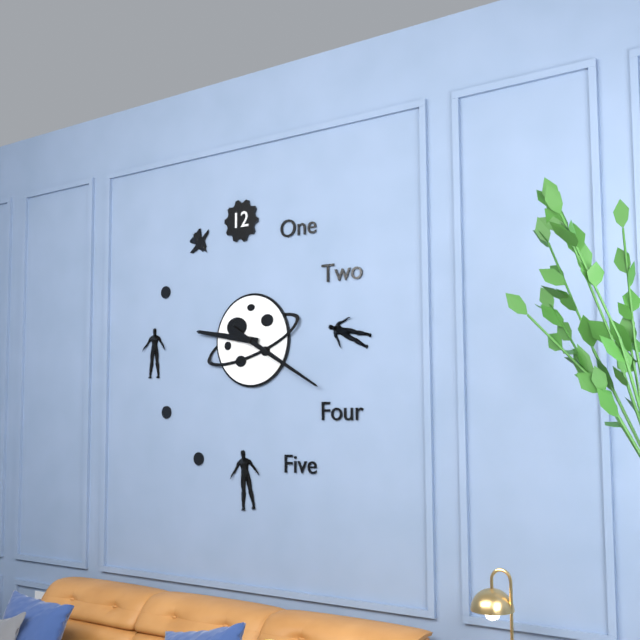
9:20
